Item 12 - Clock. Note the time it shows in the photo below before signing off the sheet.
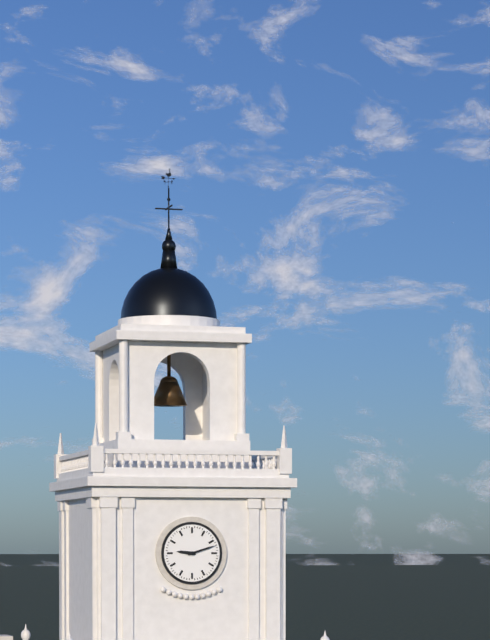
9:12
